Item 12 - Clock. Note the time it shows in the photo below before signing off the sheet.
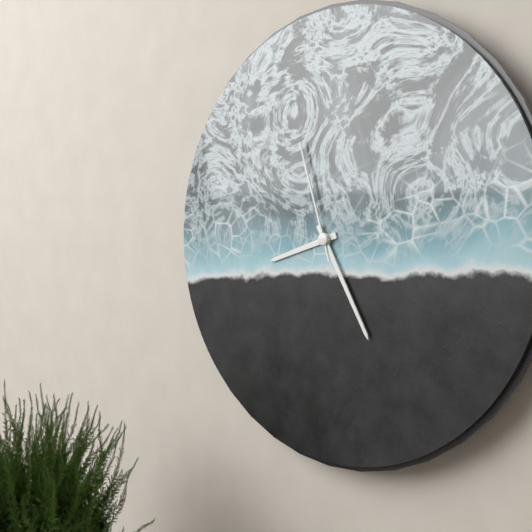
8:25:57
